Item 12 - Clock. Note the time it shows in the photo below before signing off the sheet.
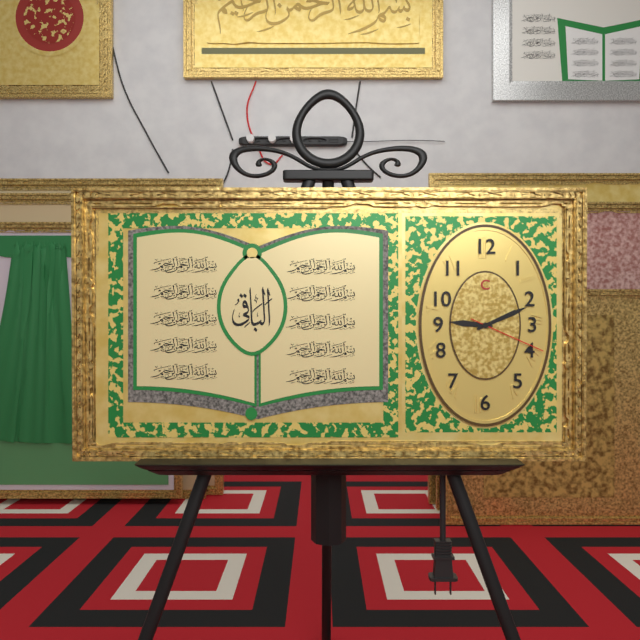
9:11:19
